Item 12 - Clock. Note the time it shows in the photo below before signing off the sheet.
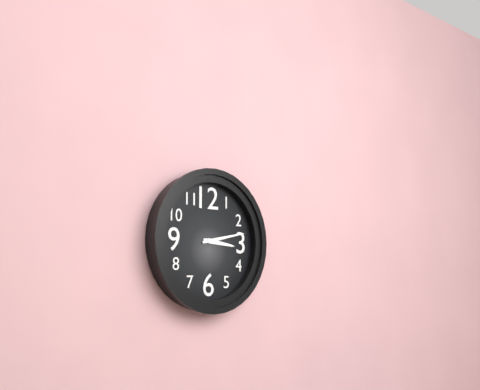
3:13
